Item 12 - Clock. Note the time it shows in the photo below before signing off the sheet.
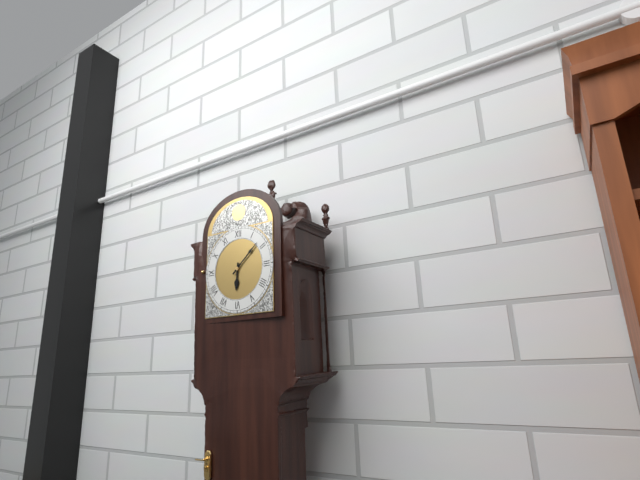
6:08
